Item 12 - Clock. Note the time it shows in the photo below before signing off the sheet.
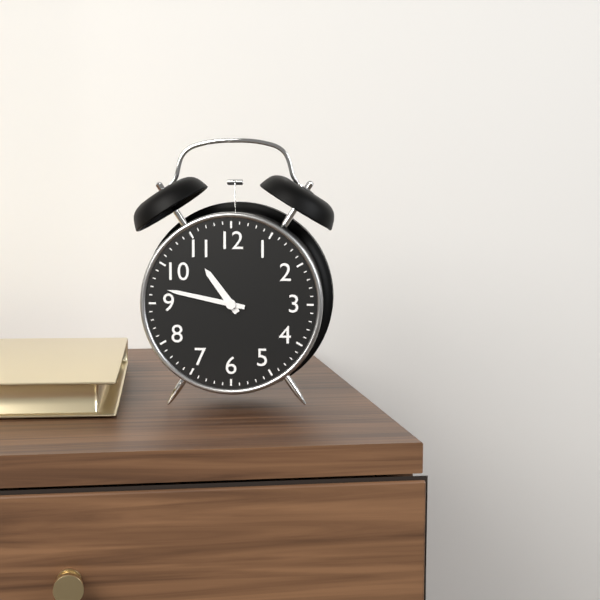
10:47
